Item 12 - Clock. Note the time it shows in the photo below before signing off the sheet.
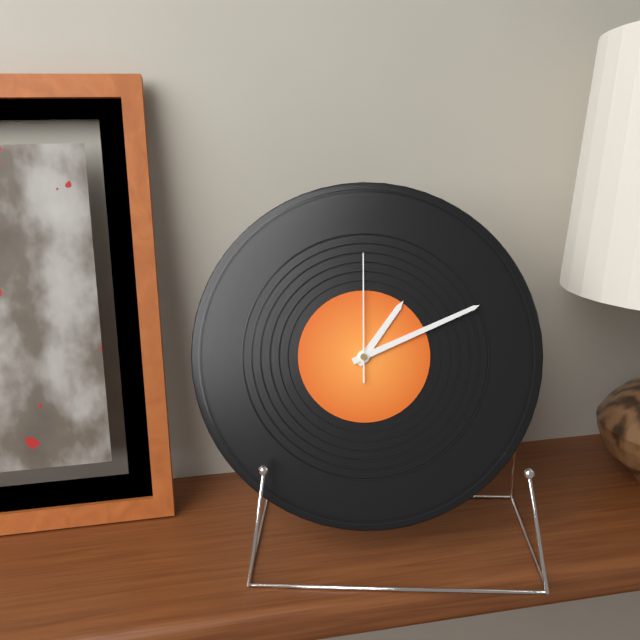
1:11:00
